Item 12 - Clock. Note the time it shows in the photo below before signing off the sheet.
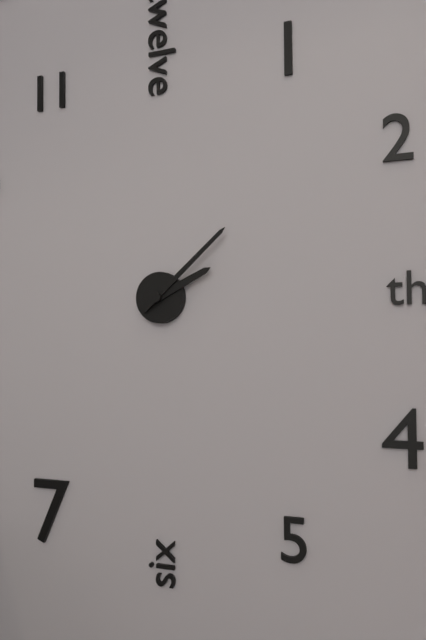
2:08
